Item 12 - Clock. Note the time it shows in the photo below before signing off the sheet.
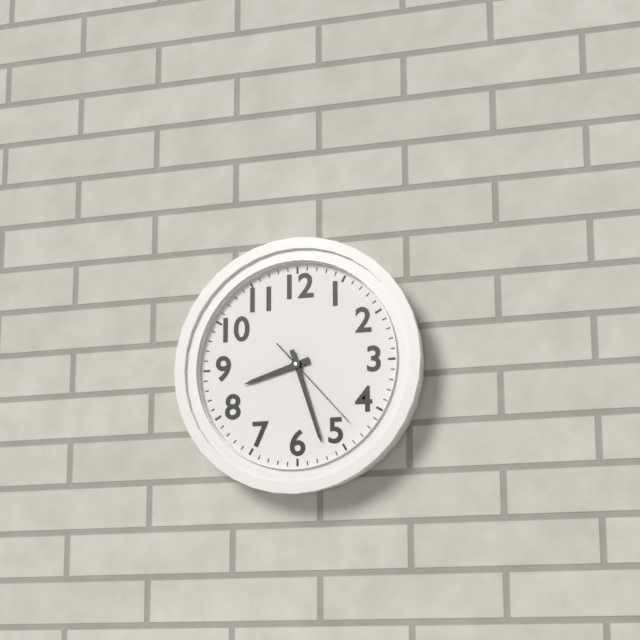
8:27:23
